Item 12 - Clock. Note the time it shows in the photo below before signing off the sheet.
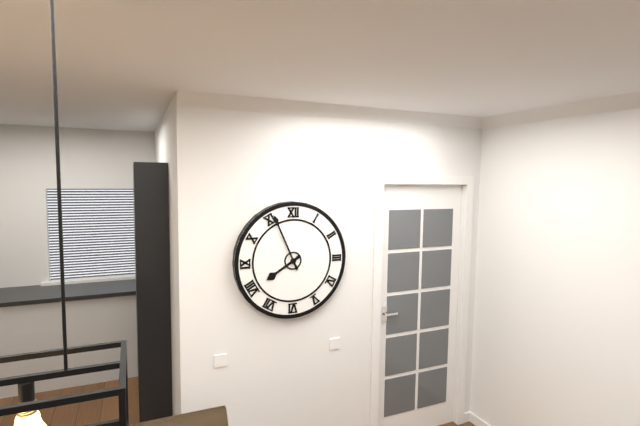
7:56
